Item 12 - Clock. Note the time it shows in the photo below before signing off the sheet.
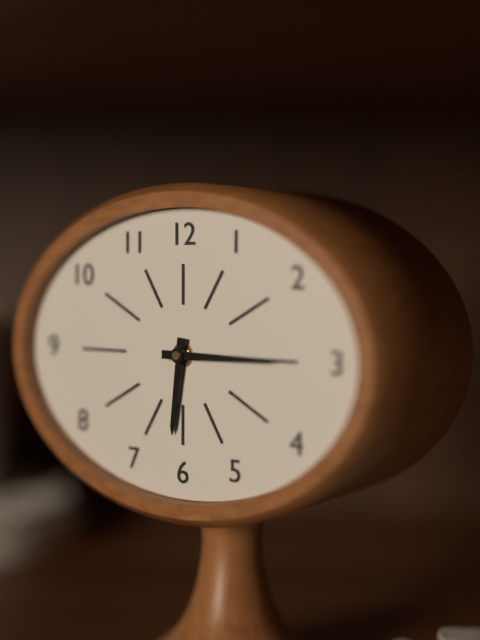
6:15
